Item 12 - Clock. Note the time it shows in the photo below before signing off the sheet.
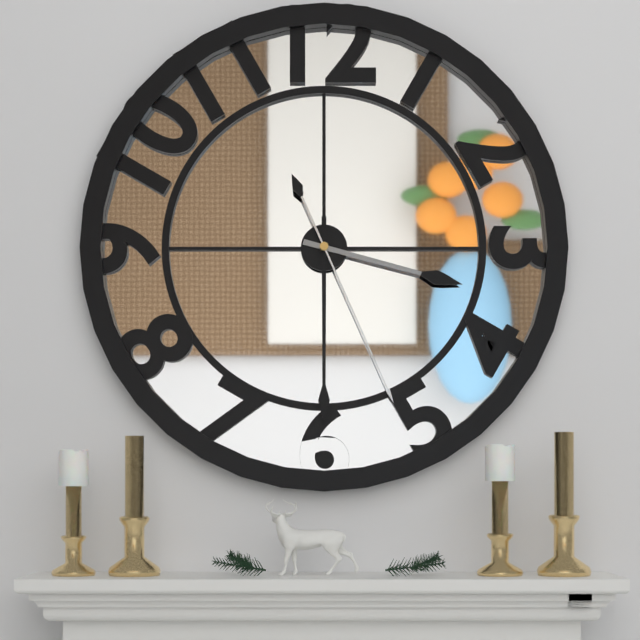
3:30:26
